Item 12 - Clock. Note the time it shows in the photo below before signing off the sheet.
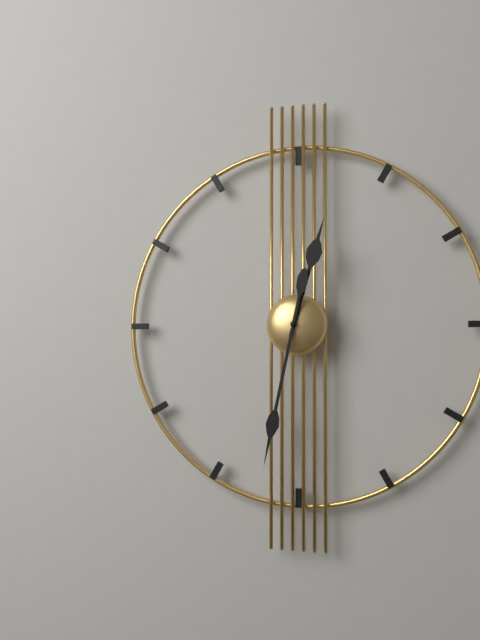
12:32
